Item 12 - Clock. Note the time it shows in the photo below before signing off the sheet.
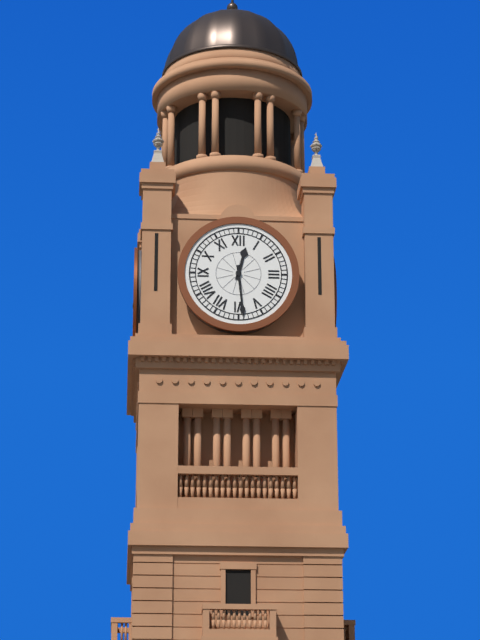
12:29
